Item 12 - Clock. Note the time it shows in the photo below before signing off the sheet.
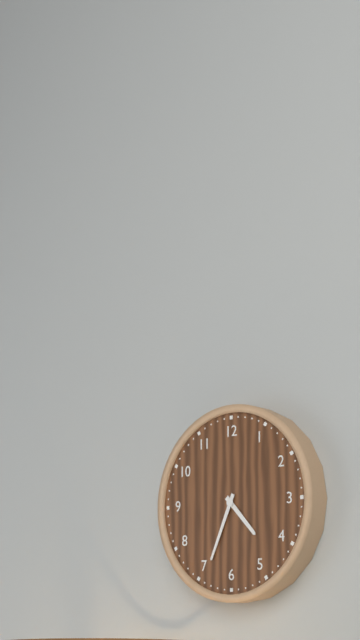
4:34
